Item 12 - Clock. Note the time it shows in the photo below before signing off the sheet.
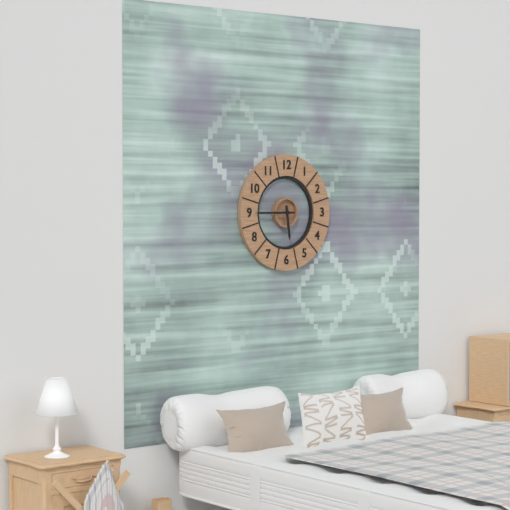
5:45
